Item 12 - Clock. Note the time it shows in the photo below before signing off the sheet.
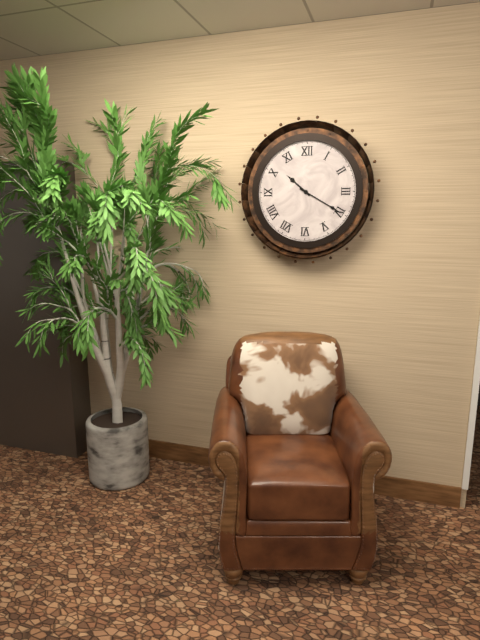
10:20
